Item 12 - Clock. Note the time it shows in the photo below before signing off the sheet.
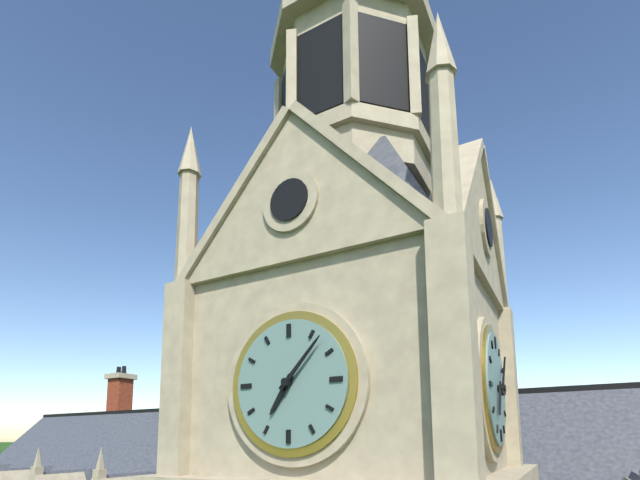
7:07
